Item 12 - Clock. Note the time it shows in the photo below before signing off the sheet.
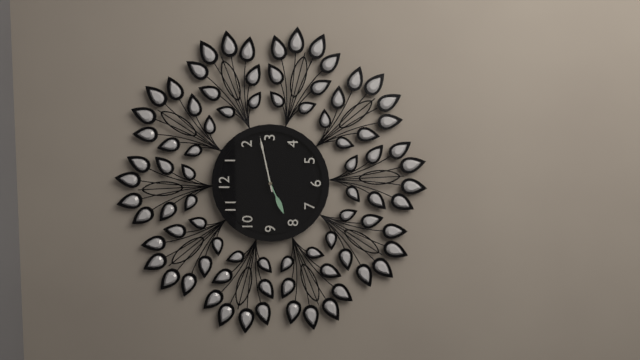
8:13
